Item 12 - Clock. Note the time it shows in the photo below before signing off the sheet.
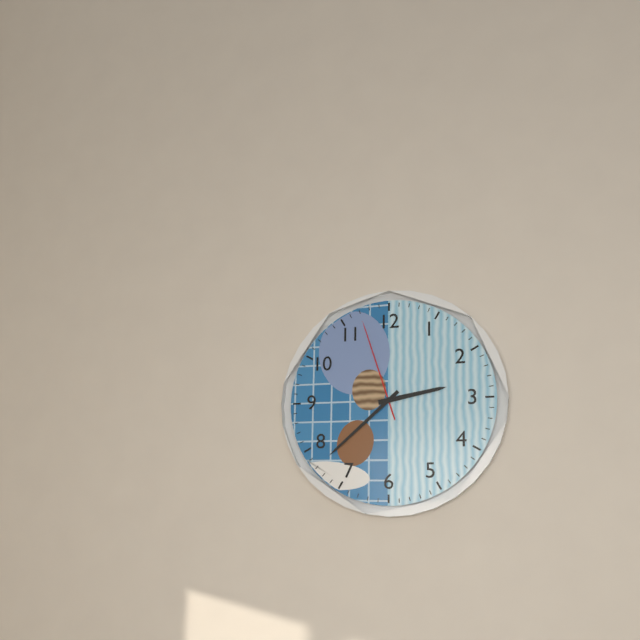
2:38:57
